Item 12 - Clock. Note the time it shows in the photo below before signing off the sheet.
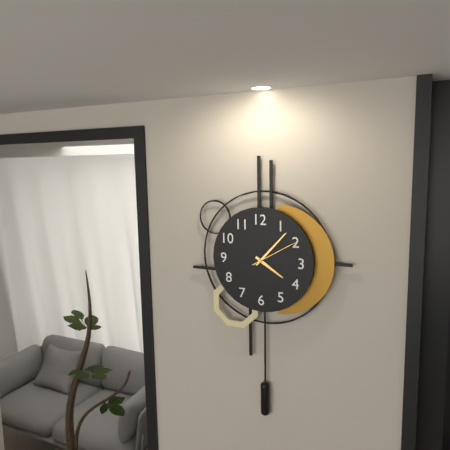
4:07:10
